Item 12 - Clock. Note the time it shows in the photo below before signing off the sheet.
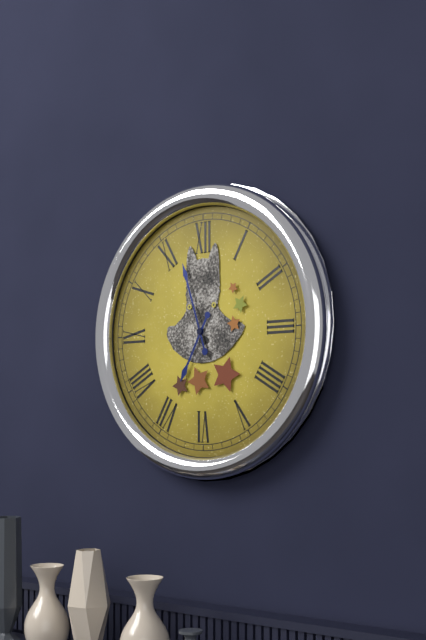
6:57
